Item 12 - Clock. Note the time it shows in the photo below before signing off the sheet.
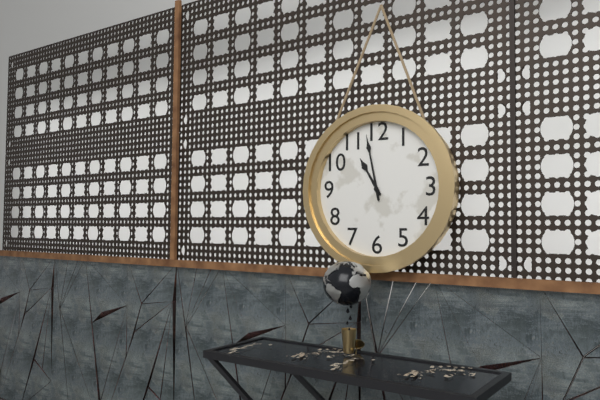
10:58
